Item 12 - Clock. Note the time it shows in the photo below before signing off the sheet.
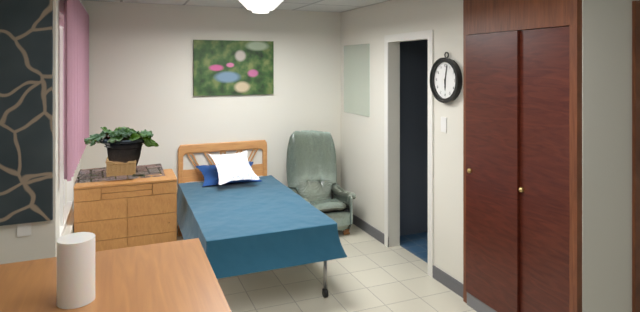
6:02
